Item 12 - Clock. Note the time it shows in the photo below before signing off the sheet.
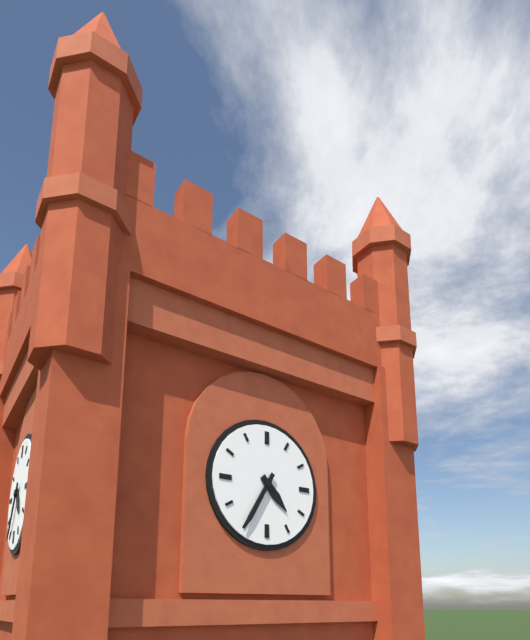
4:35
